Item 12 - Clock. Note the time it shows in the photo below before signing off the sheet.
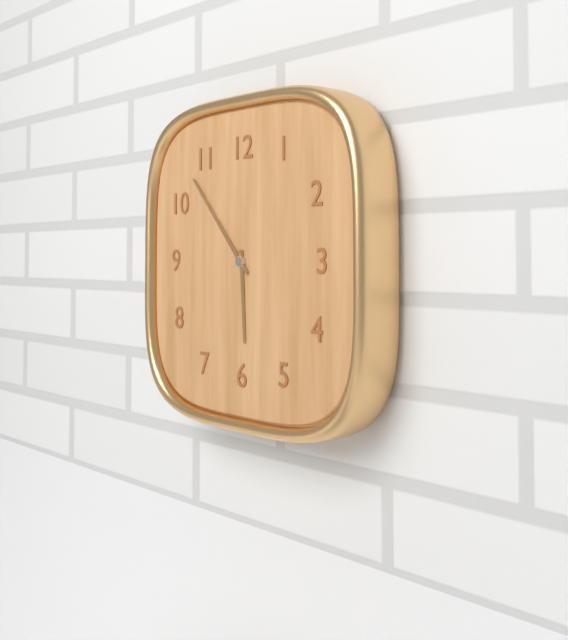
5:53
